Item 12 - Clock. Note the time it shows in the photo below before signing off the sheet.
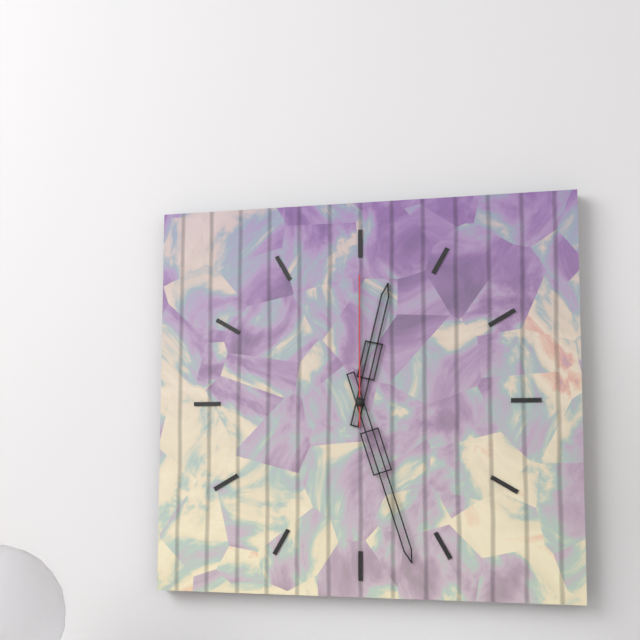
12:27:00
